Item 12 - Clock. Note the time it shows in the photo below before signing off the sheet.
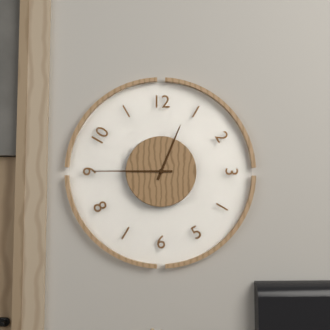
12:45
